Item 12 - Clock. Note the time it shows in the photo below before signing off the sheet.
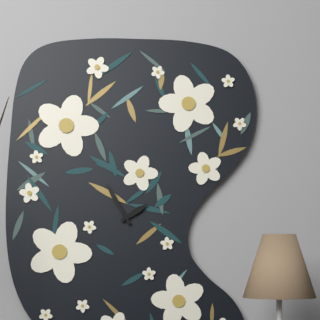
1:55
